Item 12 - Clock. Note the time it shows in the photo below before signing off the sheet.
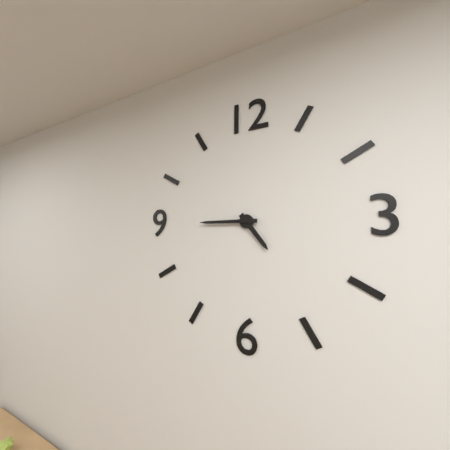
4:45
